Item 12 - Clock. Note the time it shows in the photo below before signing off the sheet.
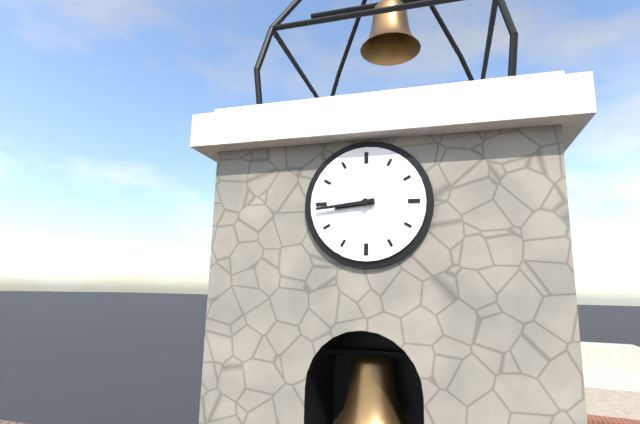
8:44
